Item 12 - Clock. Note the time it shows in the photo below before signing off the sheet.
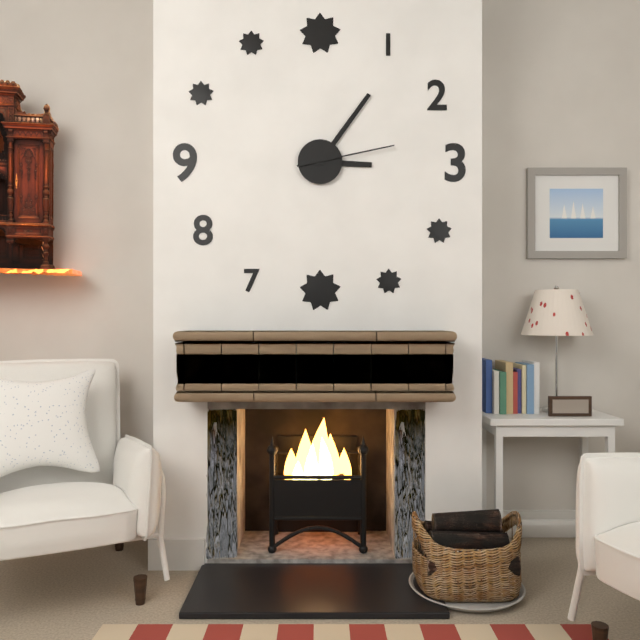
3:06:13
